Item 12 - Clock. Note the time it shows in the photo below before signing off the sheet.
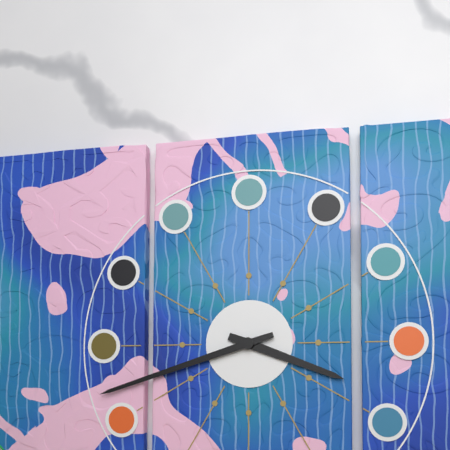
3:42
